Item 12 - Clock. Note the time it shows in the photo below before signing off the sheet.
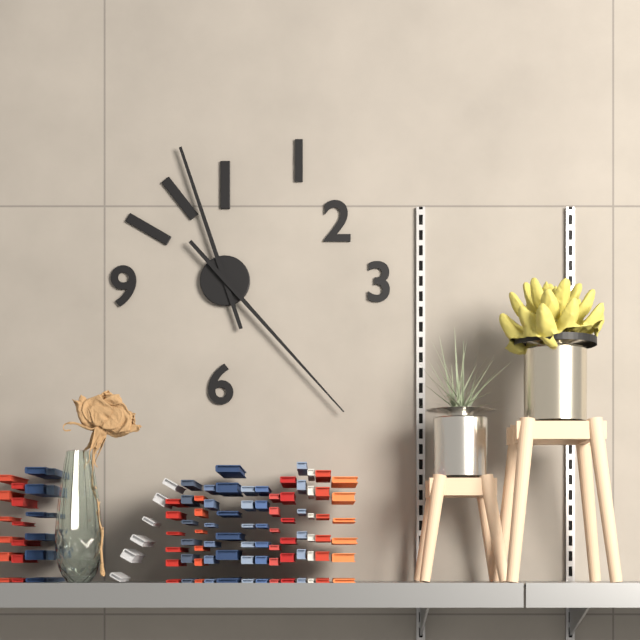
11:23
